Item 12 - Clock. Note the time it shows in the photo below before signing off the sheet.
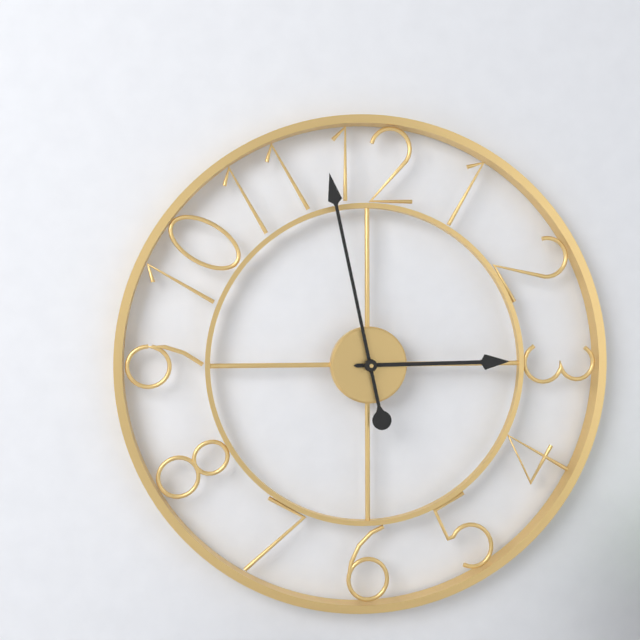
2:58
